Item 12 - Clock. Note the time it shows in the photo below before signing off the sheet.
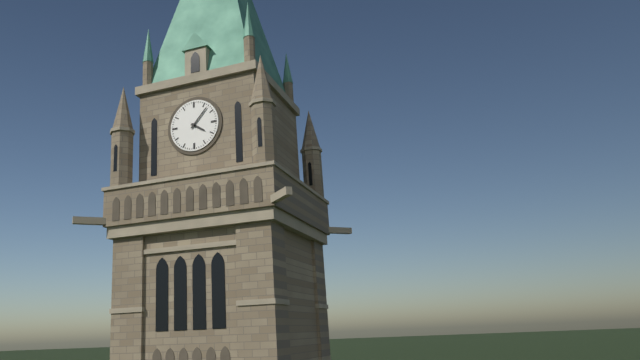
4:07
